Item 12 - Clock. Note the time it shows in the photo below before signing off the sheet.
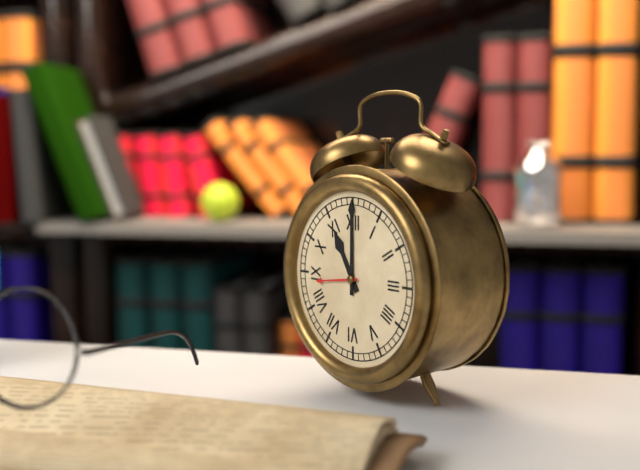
11:00
